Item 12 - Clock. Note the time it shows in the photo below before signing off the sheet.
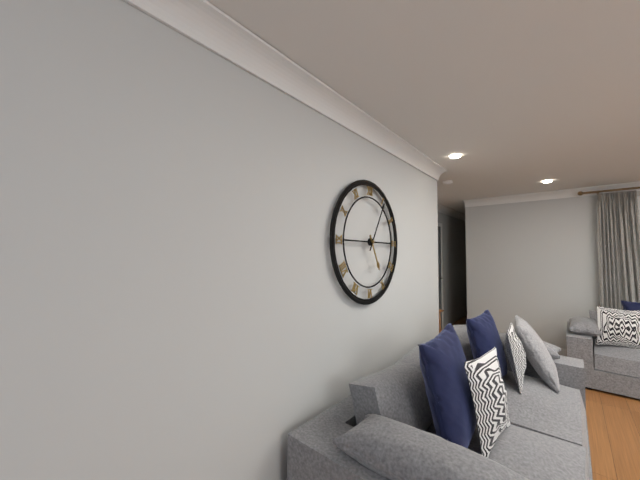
5:05
